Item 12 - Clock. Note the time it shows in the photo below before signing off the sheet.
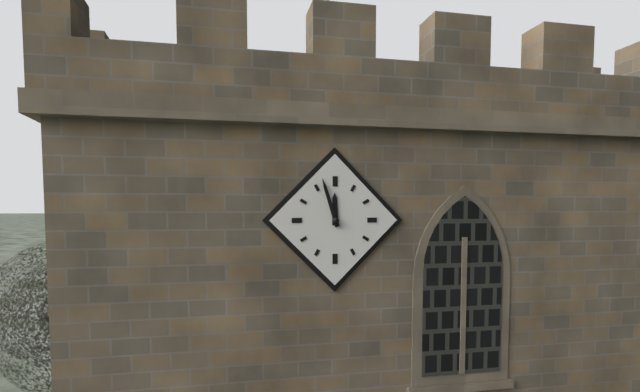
11:57
